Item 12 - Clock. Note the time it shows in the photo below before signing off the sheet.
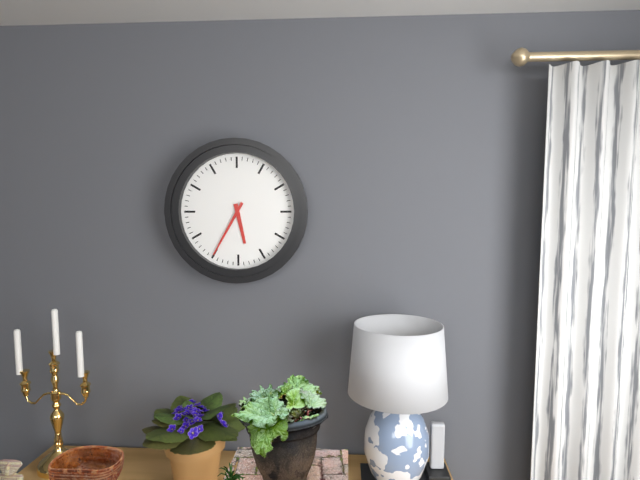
5:35
